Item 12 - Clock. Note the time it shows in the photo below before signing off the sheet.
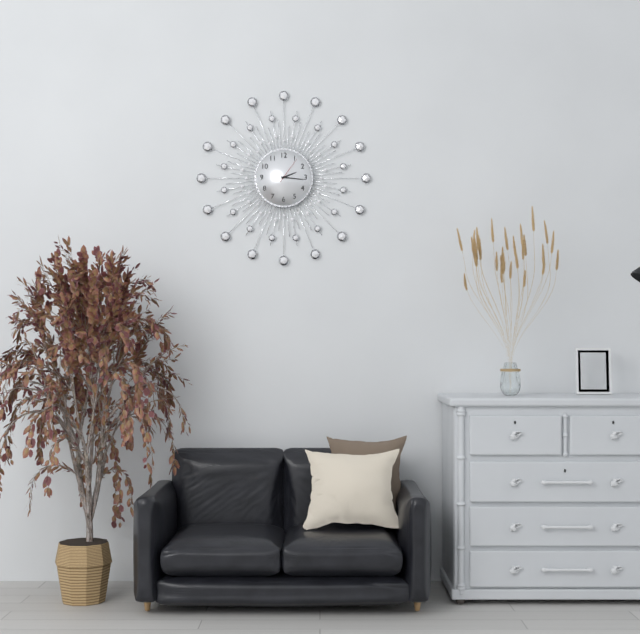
2:16
